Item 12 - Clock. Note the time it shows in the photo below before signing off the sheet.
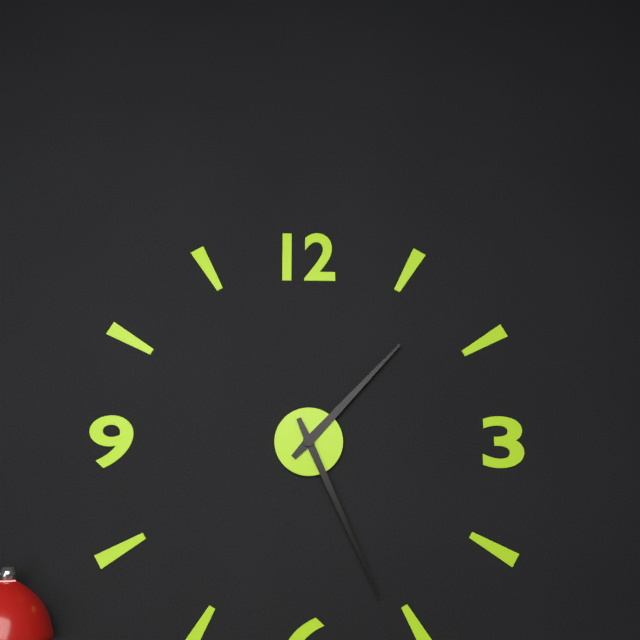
1:26
